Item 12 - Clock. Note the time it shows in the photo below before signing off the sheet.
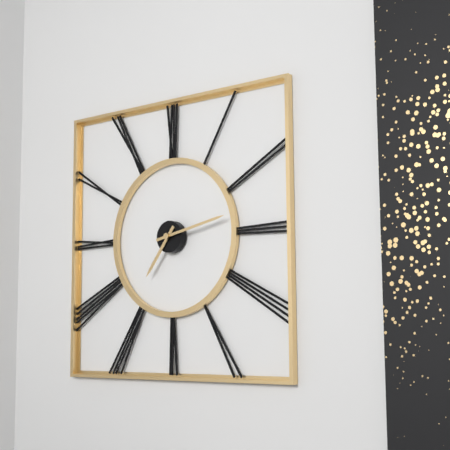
7:13
